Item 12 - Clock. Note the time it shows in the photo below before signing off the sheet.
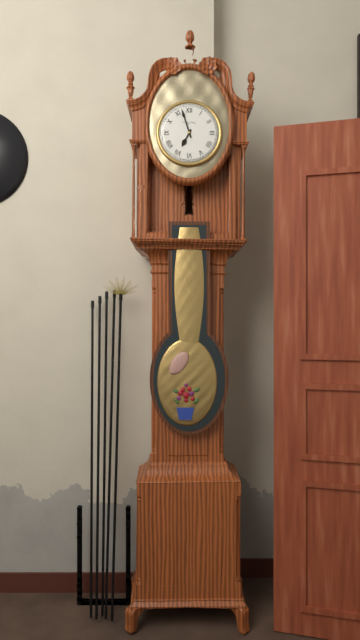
6:57
